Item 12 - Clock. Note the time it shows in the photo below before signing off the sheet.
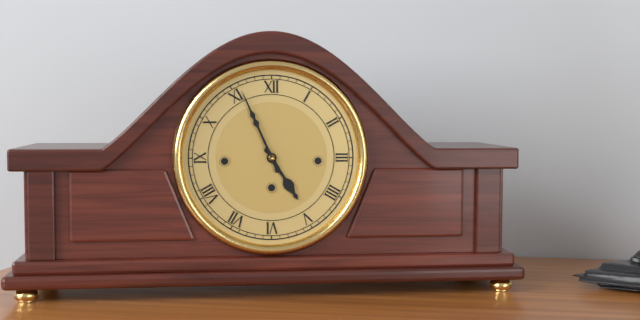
4:56
